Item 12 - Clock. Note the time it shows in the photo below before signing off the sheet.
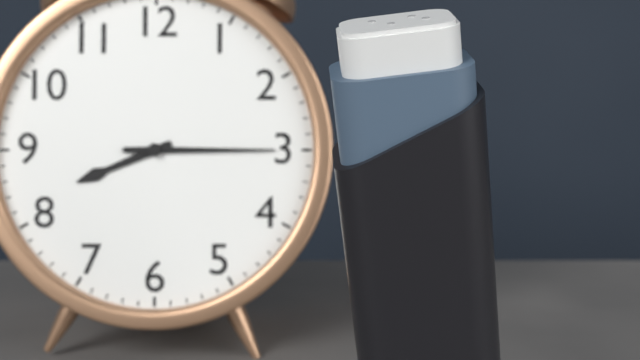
8:15
